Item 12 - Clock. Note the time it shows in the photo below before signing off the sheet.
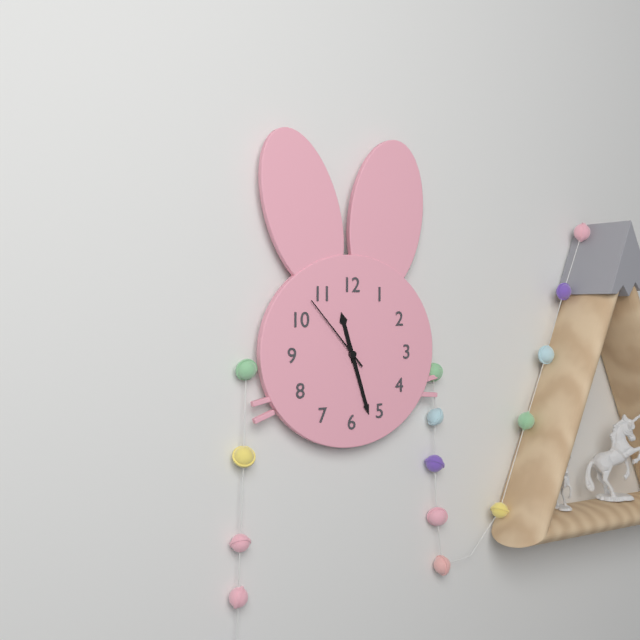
11:27:53
